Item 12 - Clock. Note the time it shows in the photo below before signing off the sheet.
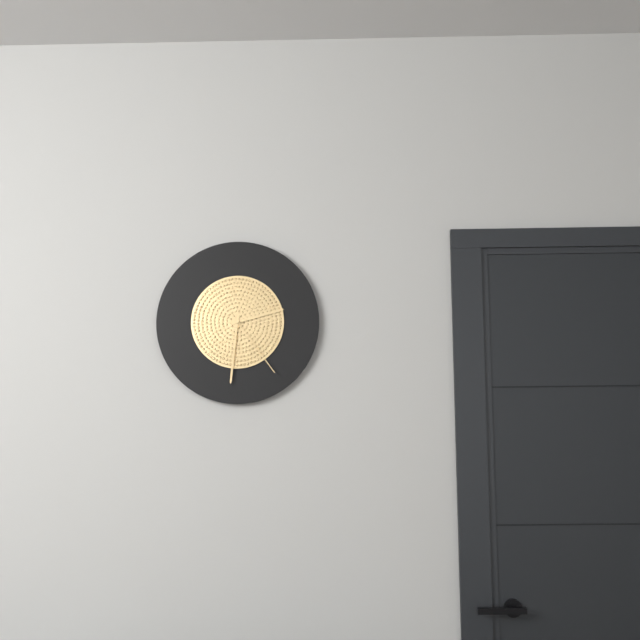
2:31:24
